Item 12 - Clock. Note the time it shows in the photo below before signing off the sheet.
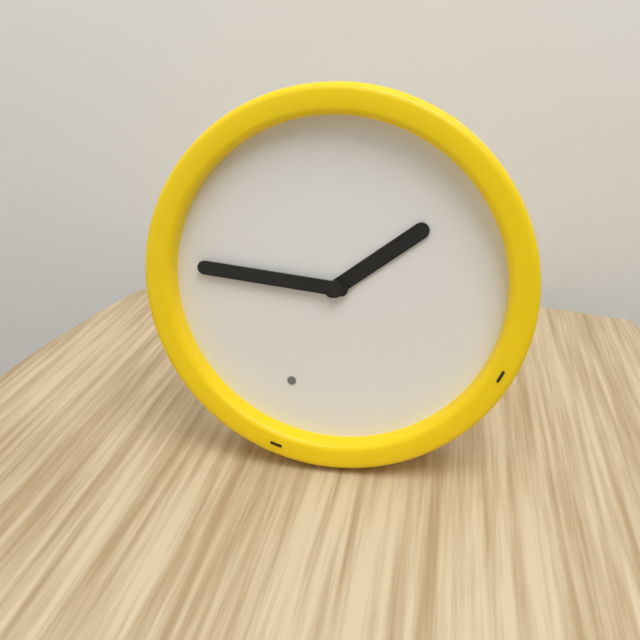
1:46
